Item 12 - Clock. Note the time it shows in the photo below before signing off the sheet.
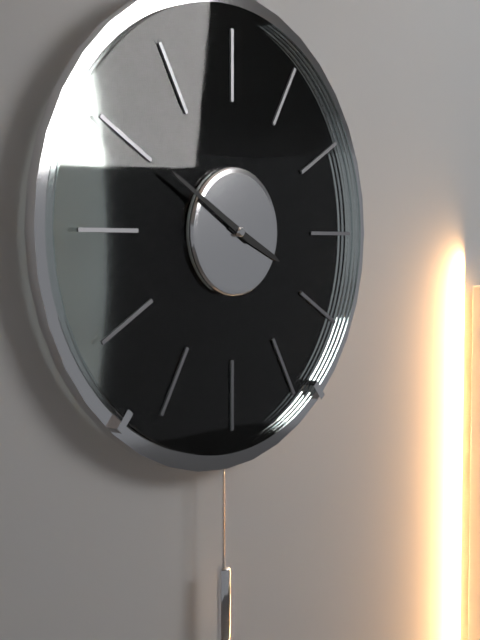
3:50
